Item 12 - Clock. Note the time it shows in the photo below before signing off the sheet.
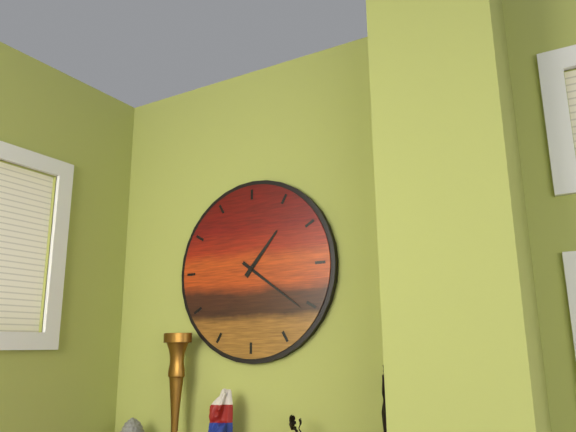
1:21
